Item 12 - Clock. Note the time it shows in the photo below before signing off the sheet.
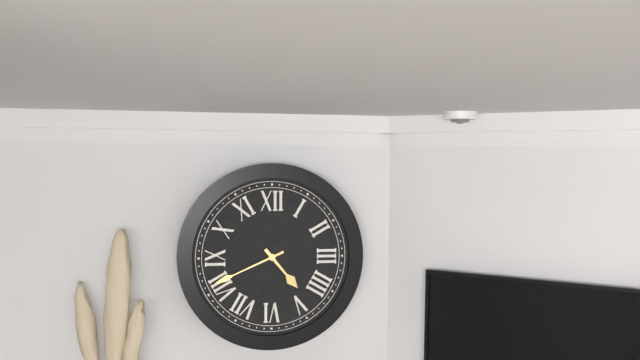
4:41
